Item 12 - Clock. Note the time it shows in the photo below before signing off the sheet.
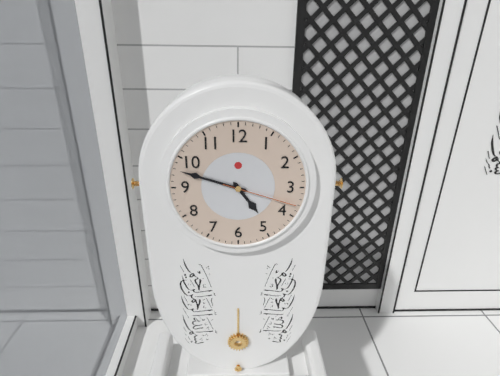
4:48:18
